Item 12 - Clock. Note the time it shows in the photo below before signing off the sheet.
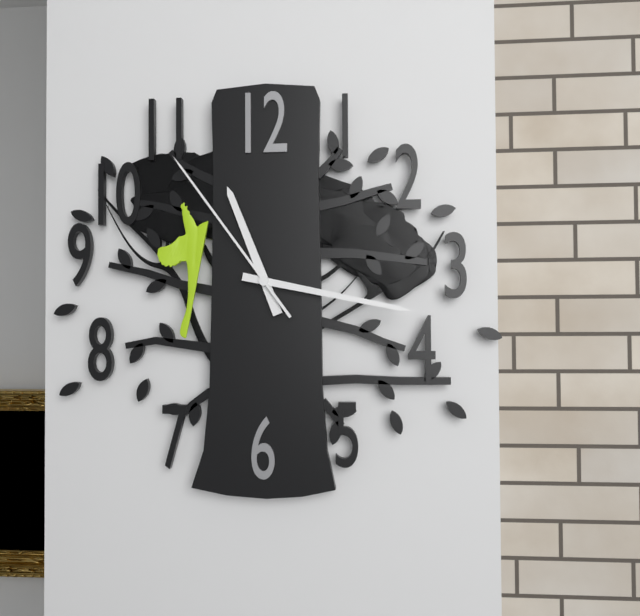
11:17:54
